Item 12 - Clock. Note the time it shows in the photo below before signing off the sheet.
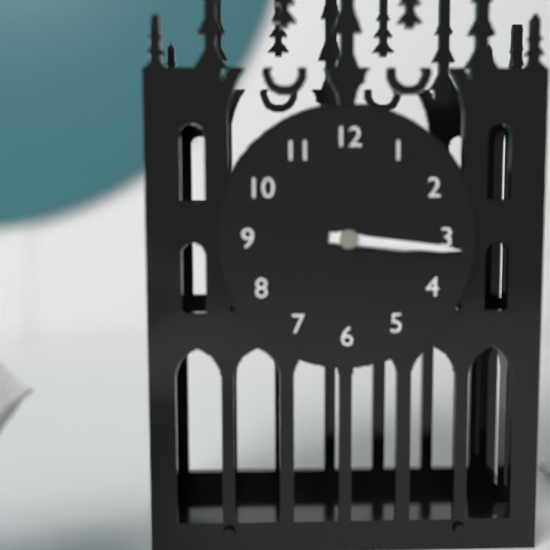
3:16
